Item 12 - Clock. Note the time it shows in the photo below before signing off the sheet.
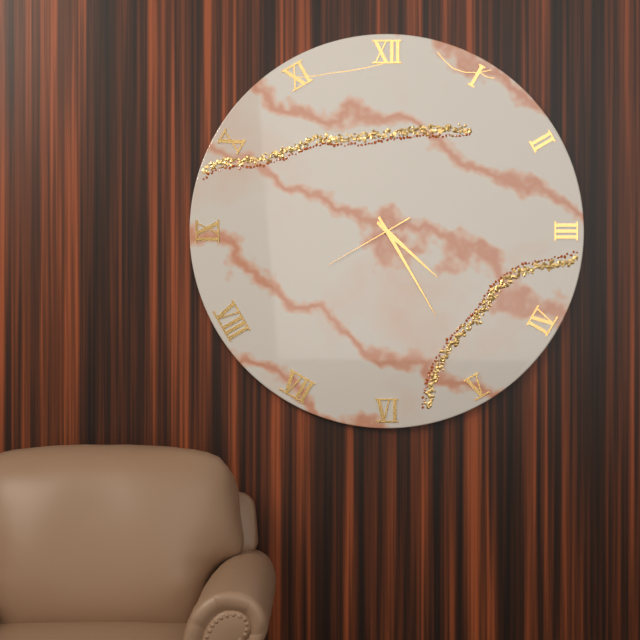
4:25:40
